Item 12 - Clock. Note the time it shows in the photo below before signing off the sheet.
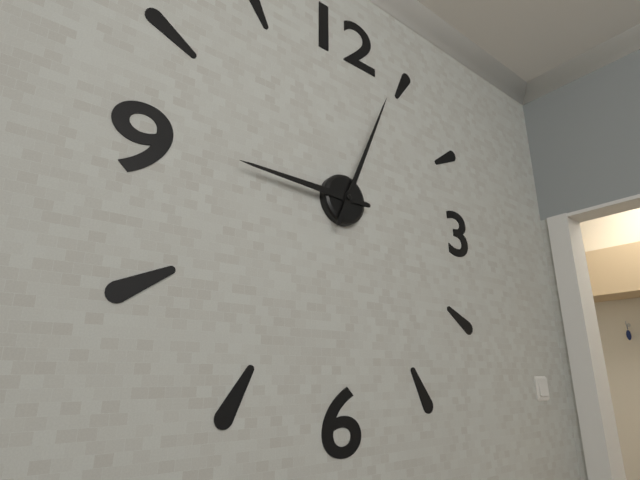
9:04
